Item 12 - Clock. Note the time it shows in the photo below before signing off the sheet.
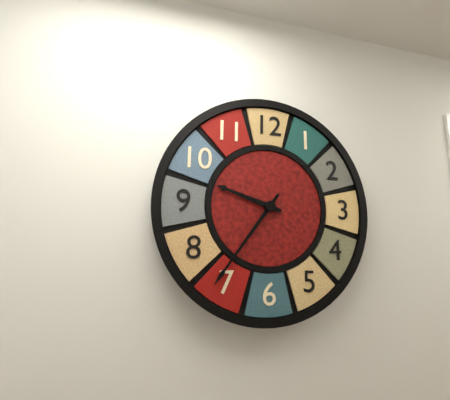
9:36
